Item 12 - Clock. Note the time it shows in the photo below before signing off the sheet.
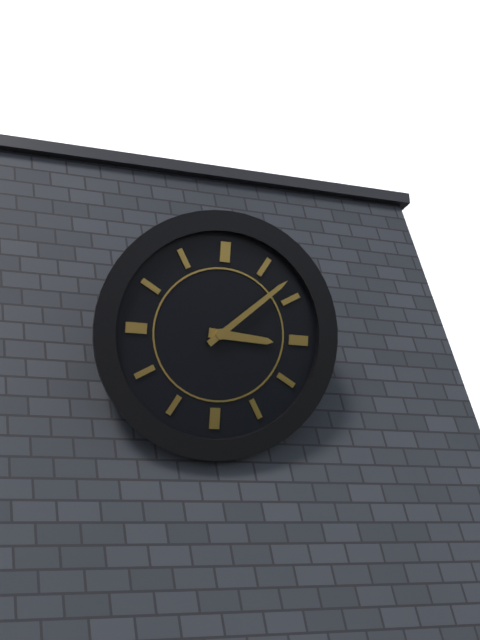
3:08
